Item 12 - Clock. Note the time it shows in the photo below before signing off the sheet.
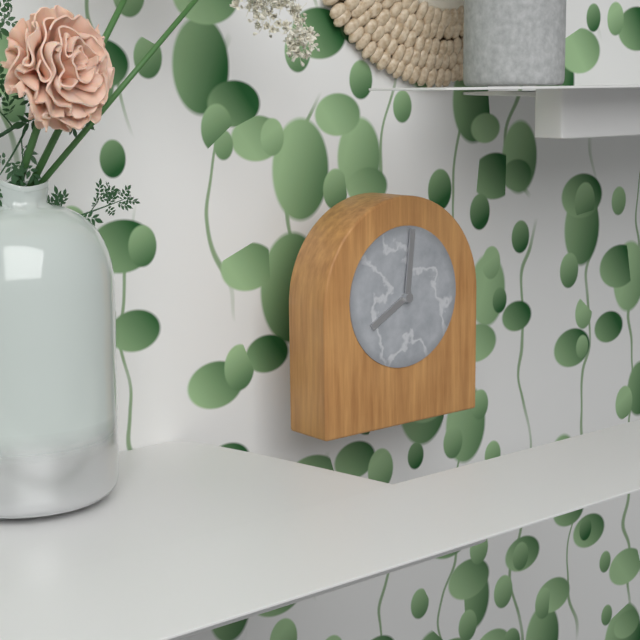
8:01
